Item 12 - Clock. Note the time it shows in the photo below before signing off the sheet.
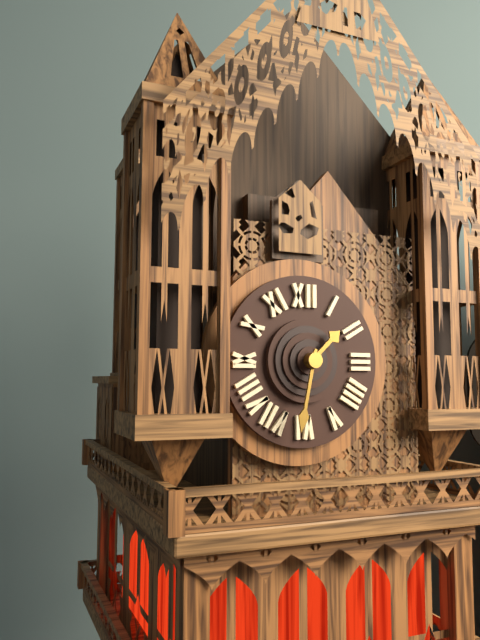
1:32
